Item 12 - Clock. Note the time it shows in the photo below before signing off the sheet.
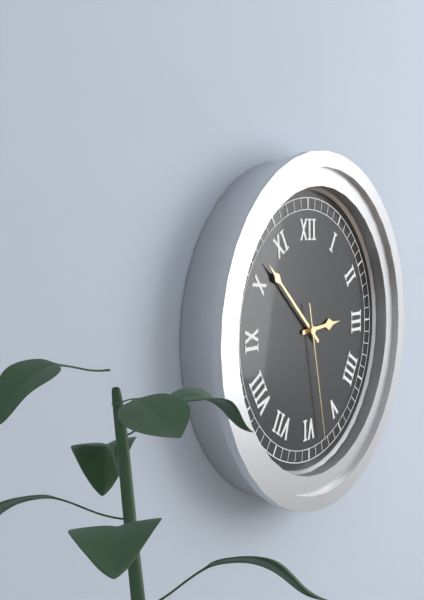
2:52:28
